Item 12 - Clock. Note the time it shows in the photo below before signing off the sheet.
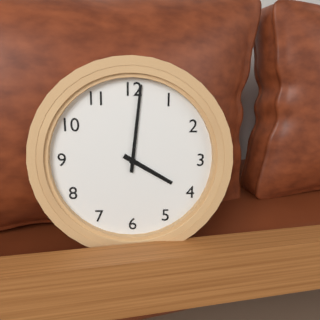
4:01
